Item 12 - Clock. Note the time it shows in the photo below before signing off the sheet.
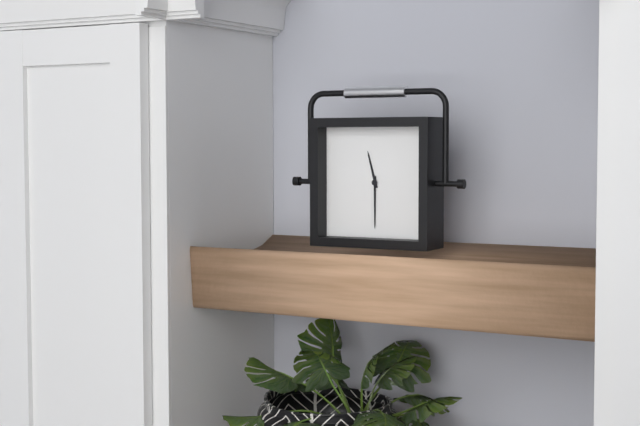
11:30
